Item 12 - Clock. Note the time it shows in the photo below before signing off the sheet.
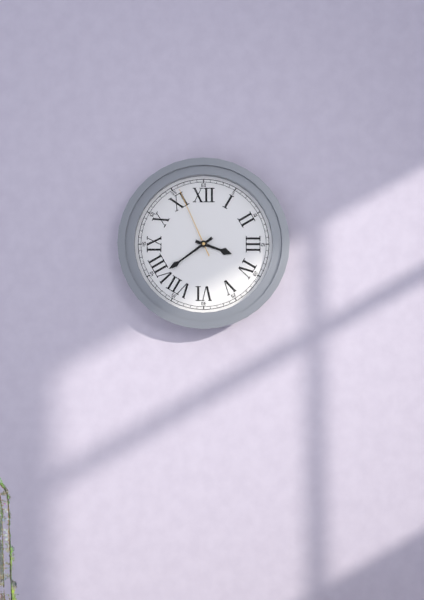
3:39:56
